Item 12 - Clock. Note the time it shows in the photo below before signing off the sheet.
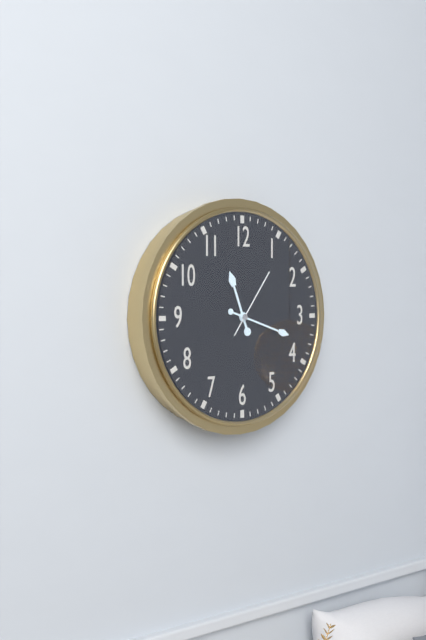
11:18:06
